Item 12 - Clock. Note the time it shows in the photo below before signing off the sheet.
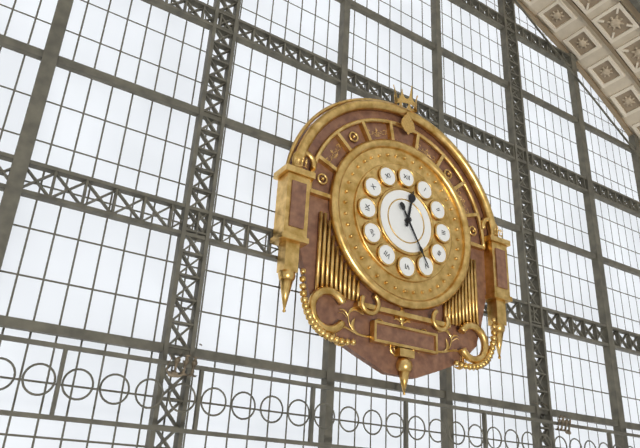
12:25
